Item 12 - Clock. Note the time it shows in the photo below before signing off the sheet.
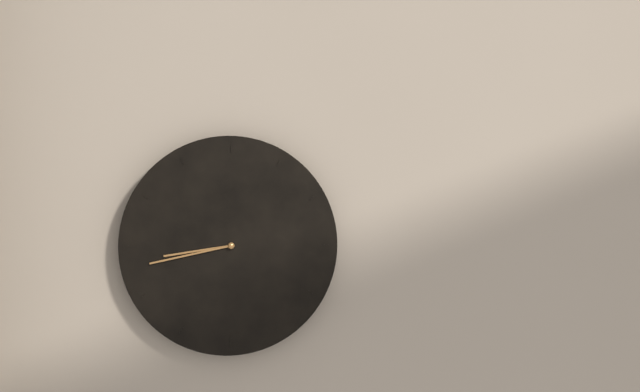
8:43
